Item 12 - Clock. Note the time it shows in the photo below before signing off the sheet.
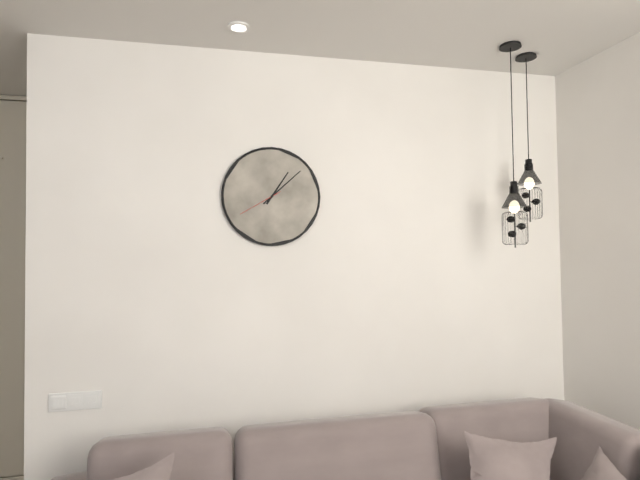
1:08
